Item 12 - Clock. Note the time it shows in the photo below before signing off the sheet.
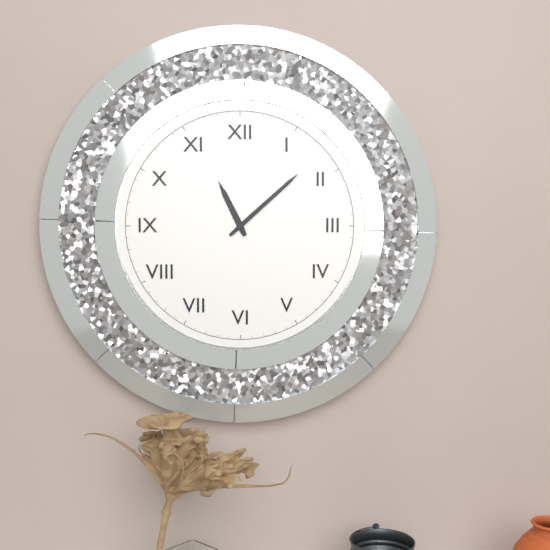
11:08
